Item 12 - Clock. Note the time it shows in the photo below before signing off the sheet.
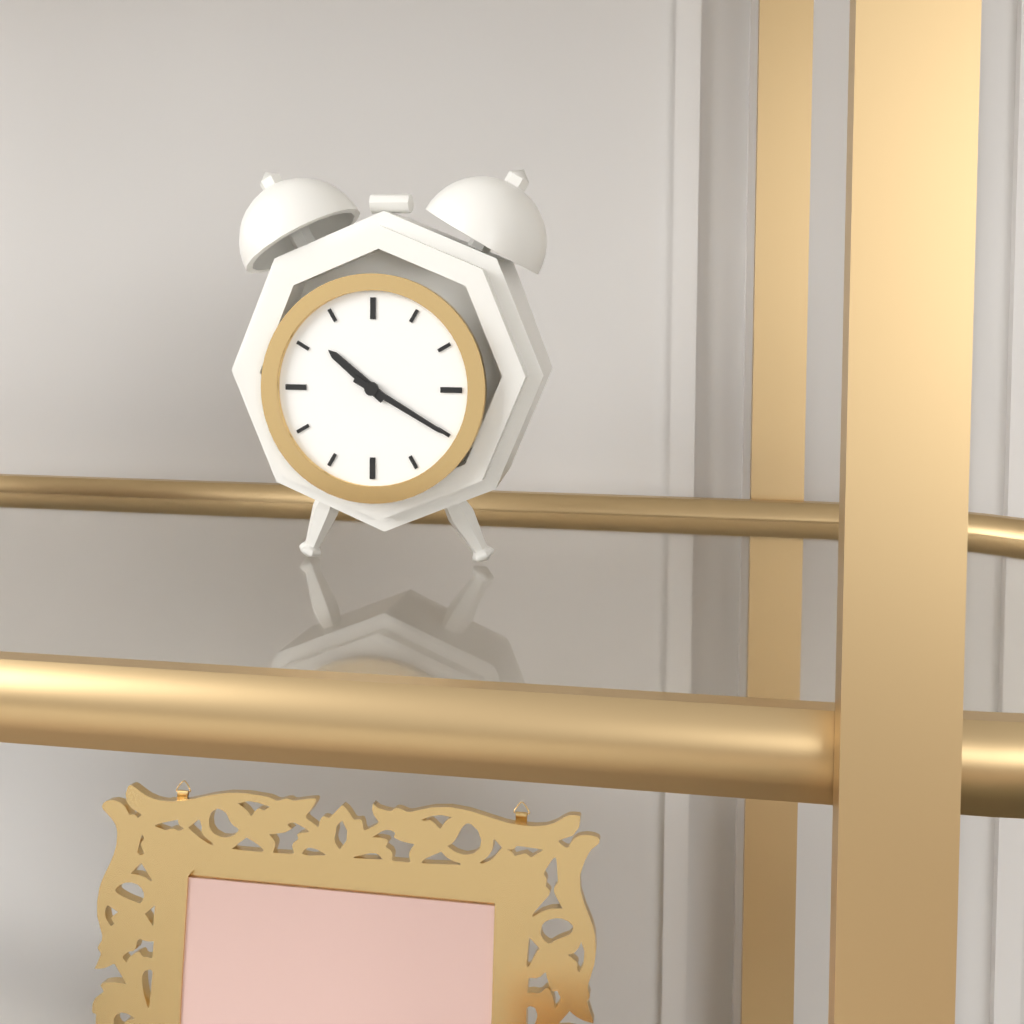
10:20
